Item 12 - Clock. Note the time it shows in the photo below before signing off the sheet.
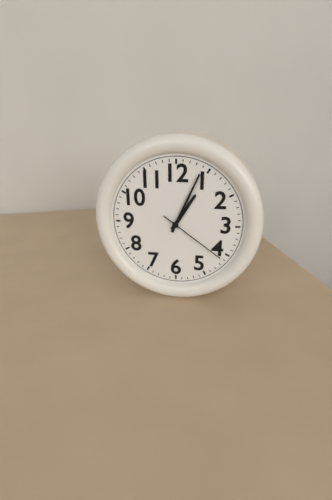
1:04:21
